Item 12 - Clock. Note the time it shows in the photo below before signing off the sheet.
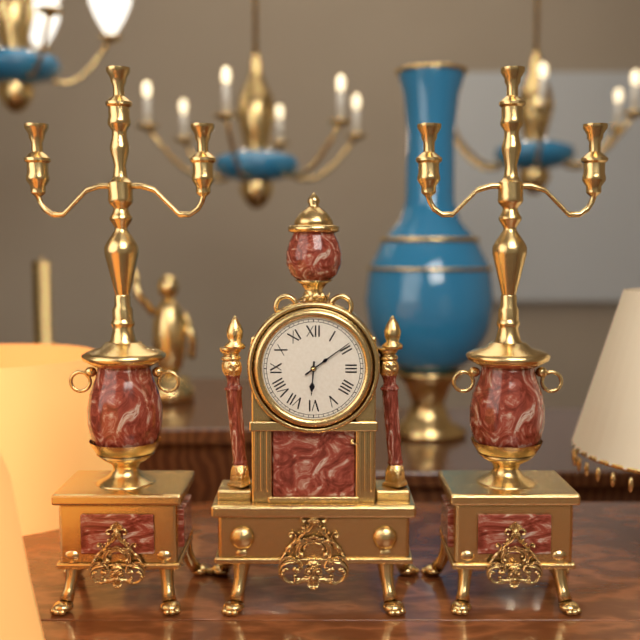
6:09
